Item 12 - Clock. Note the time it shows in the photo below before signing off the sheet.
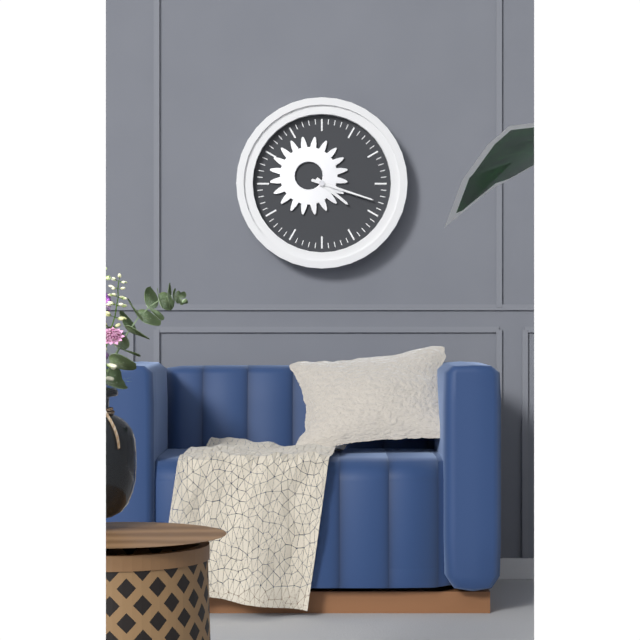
4:18
